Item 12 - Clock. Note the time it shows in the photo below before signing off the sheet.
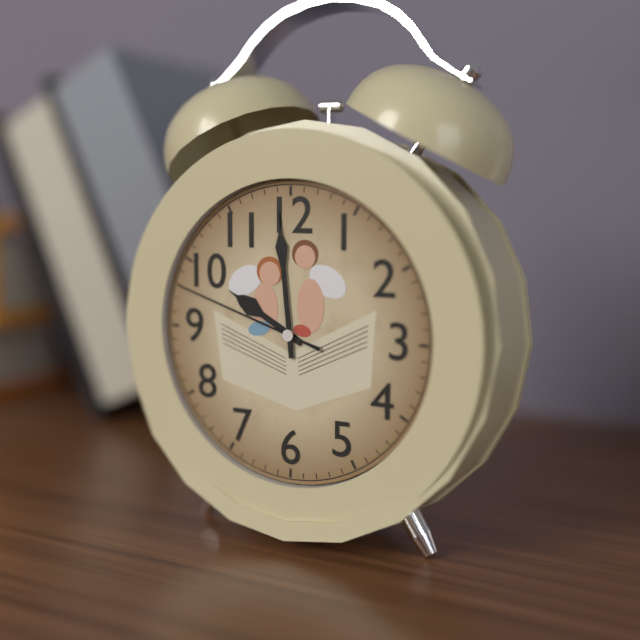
9:59:48
